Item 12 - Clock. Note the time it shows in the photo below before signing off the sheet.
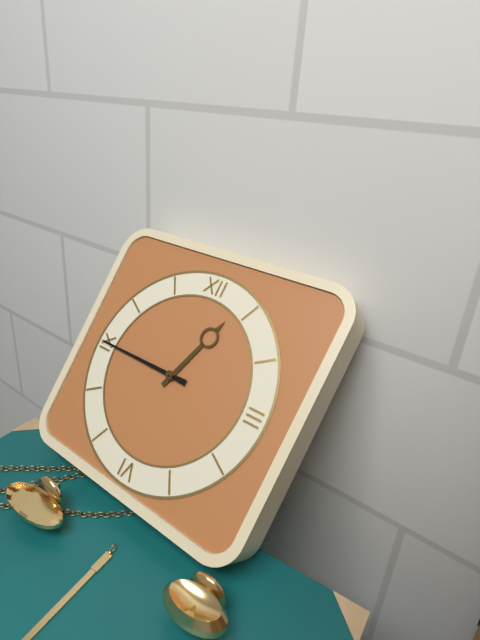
12:45
